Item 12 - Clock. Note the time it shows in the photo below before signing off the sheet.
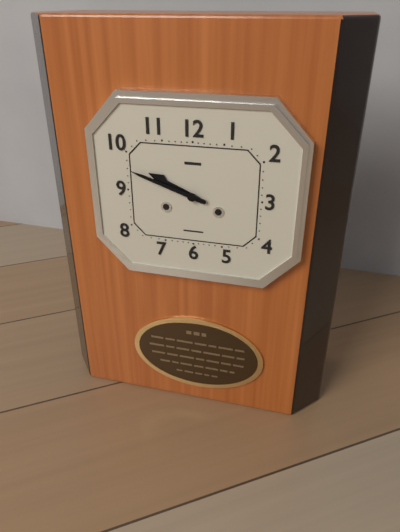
9:48
